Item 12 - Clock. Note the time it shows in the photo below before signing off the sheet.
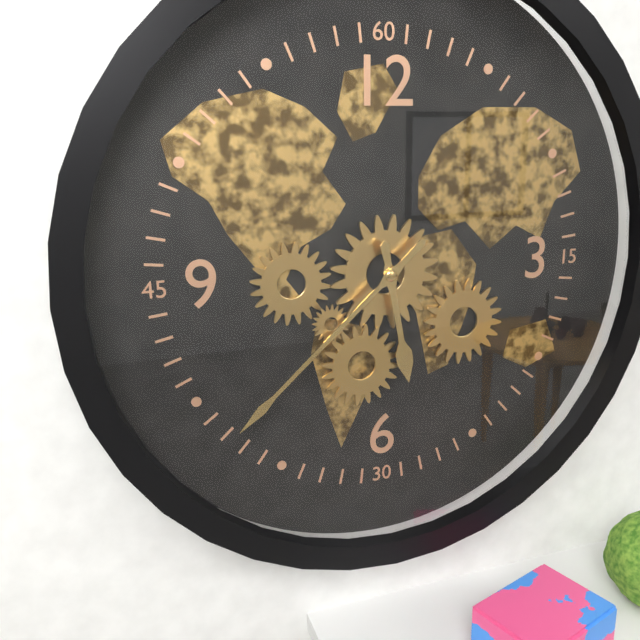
5:38
